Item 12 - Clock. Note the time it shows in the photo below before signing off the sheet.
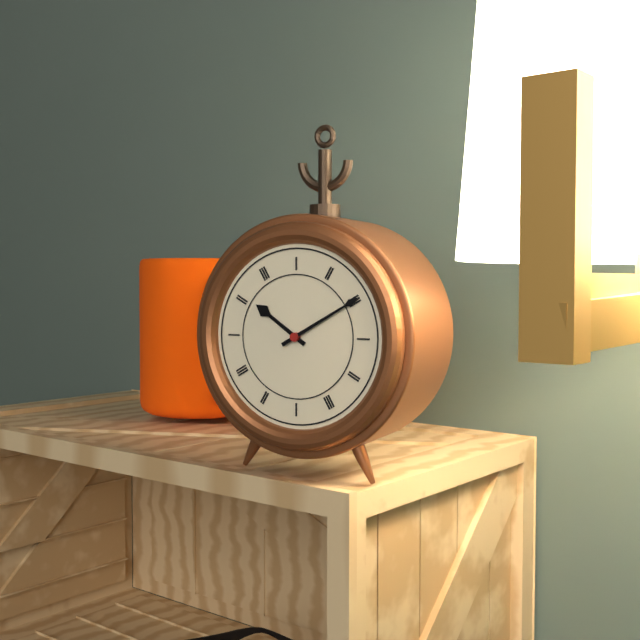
10:10
